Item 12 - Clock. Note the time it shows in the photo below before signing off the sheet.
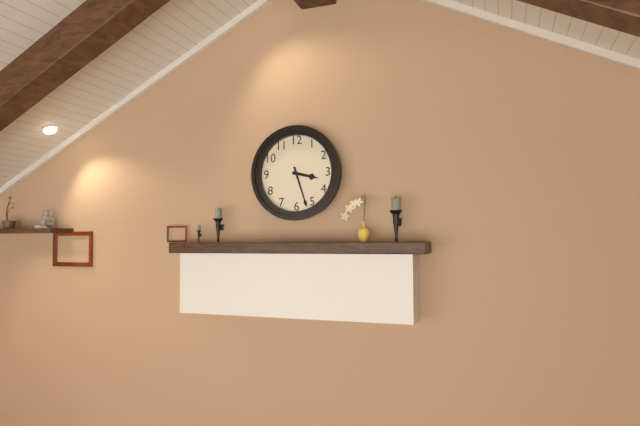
3:27
